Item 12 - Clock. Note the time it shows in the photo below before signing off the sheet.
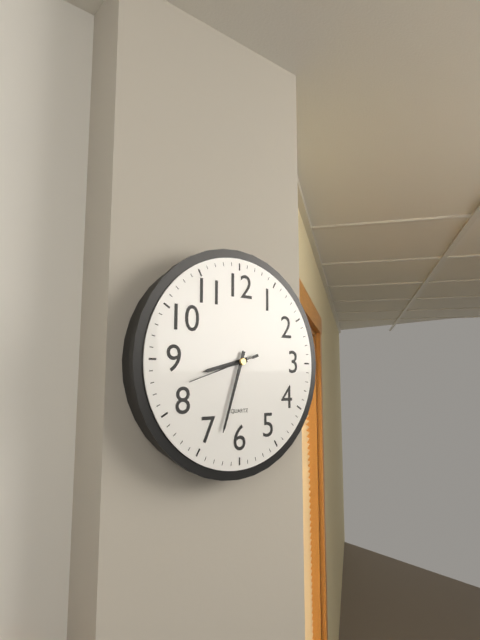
8:33:42
